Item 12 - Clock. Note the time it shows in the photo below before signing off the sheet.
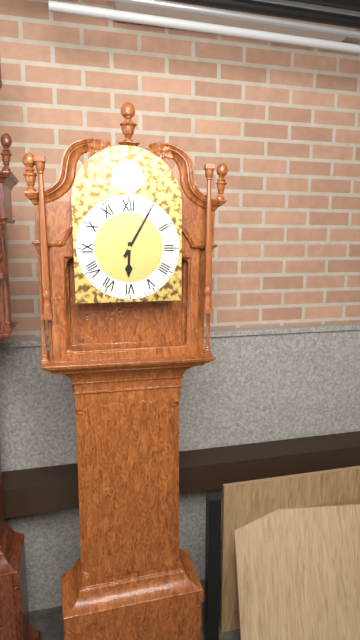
6:05
